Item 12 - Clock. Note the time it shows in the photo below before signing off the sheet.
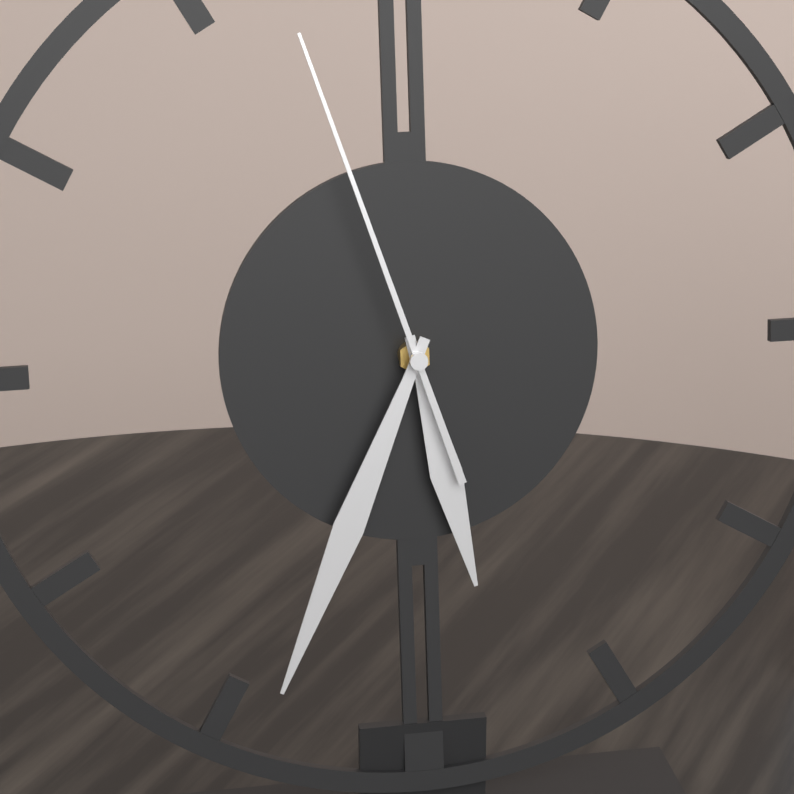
5:34:57
